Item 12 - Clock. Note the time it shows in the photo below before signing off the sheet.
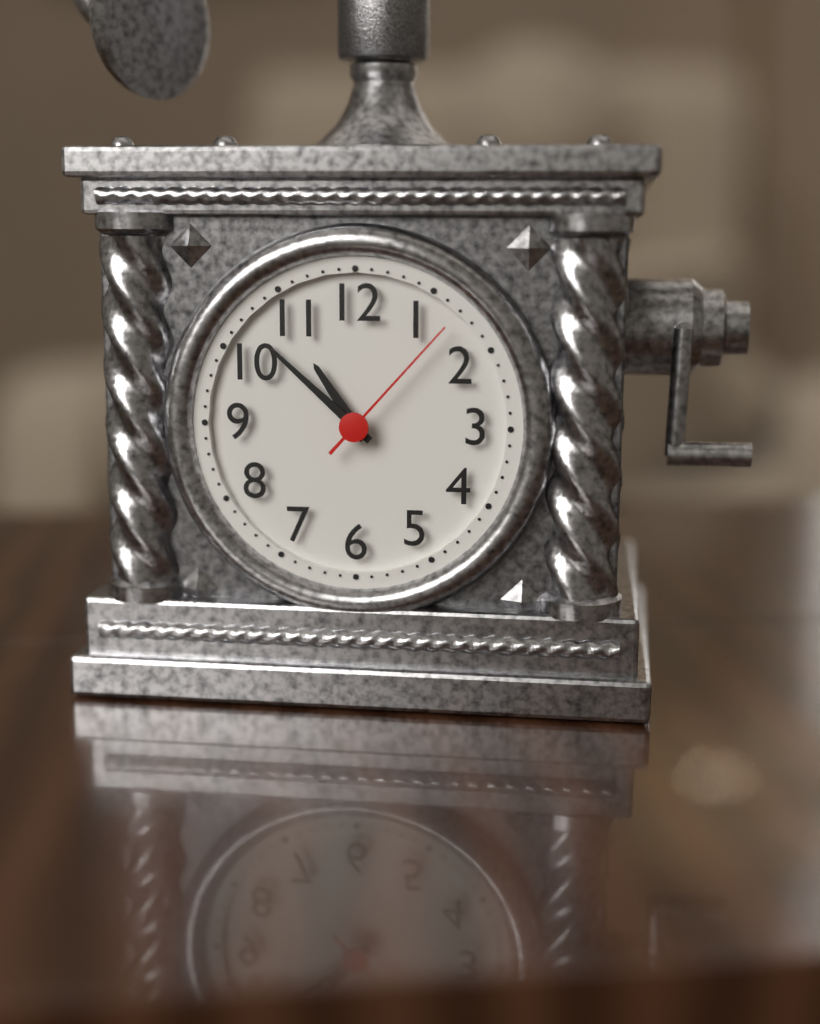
10:52:07
